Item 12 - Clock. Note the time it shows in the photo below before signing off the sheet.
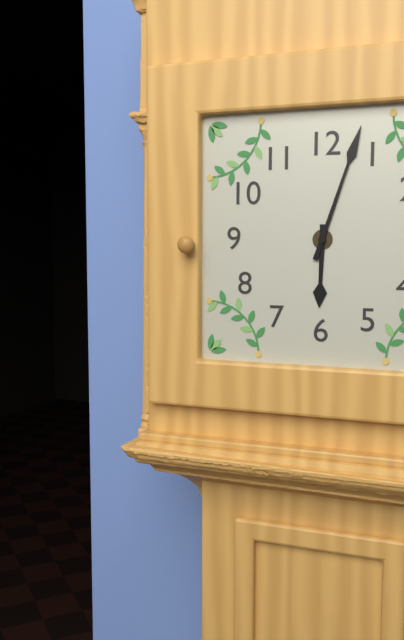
6:03
